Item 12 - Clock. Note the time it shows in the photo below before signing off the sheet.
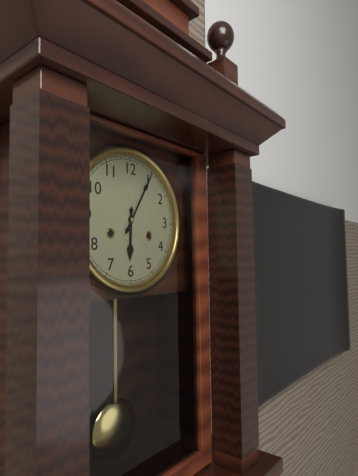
6:05
